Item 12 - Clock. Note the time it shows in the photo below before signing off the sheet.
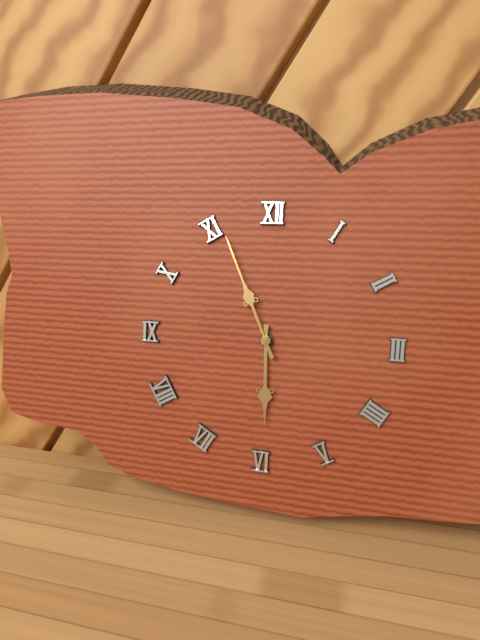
5:56
